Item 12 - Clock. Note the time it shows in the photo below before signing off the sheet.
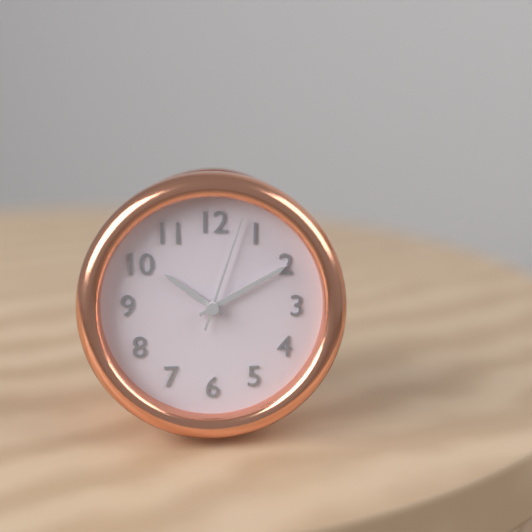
10:10:03
